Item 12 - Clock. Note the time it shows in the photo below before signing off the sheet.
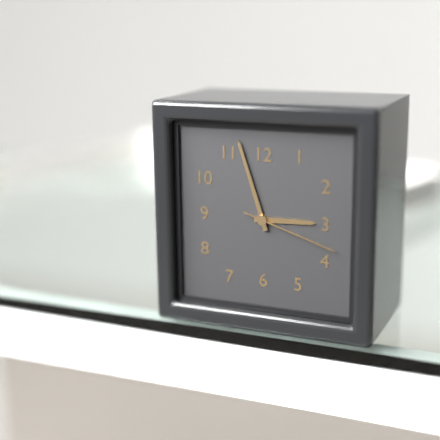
2:57:18
